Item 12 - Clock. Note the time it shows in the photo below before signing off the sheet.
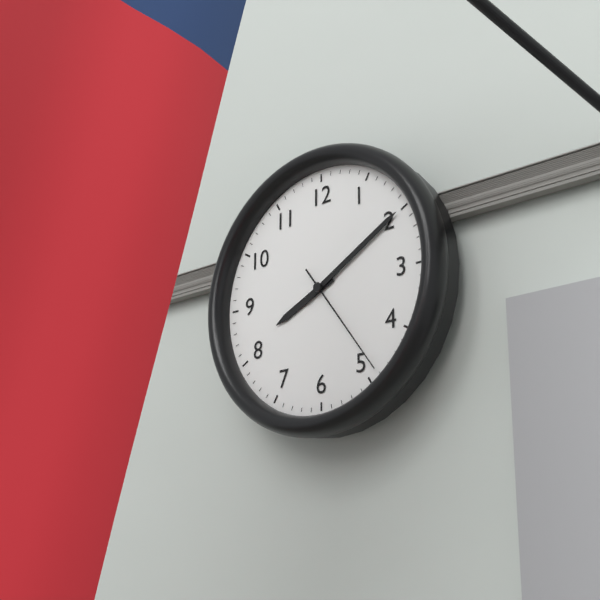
8:10:24
